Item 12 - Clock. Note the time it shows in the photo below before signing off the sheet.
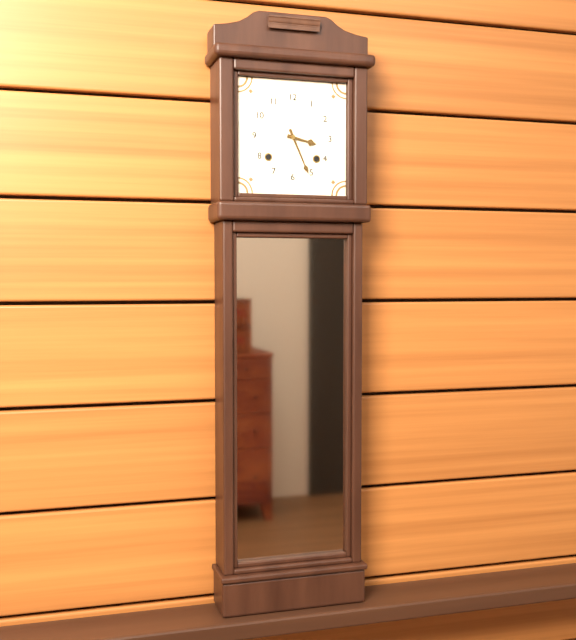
3:26
